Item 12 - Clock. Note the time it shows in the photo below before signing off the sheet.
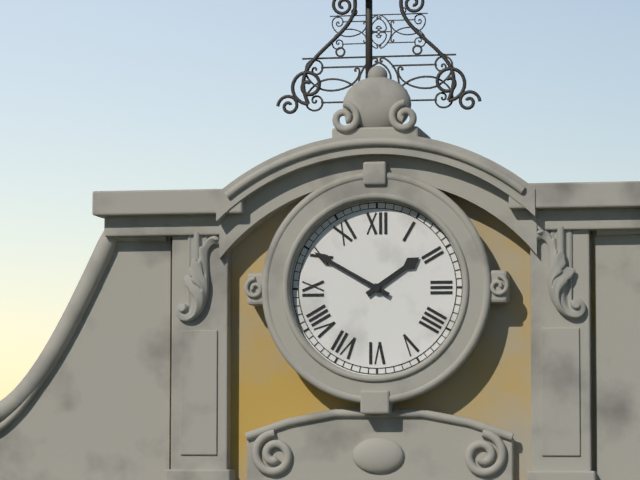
1:50
